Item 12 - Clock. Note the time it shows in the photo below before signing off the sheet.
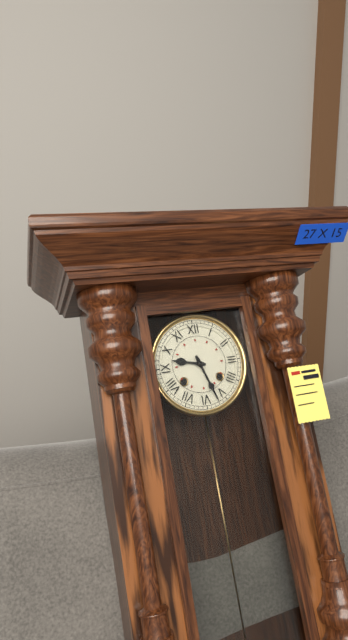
9:27
